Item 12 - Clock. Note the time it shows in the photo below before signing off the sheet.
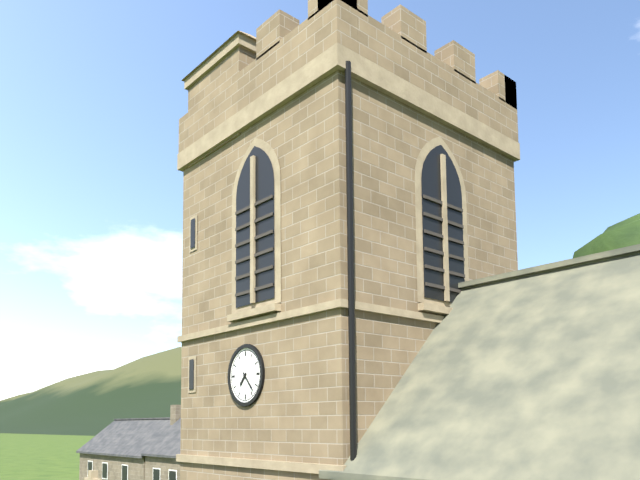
7:23
